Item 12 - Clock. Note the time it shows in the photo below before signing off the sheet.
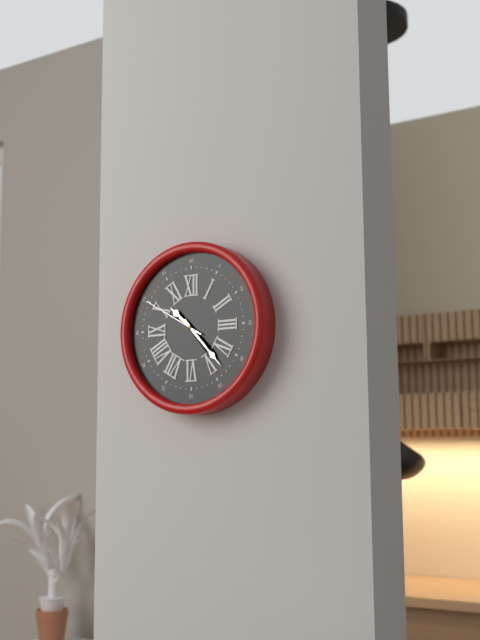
10:23:50
